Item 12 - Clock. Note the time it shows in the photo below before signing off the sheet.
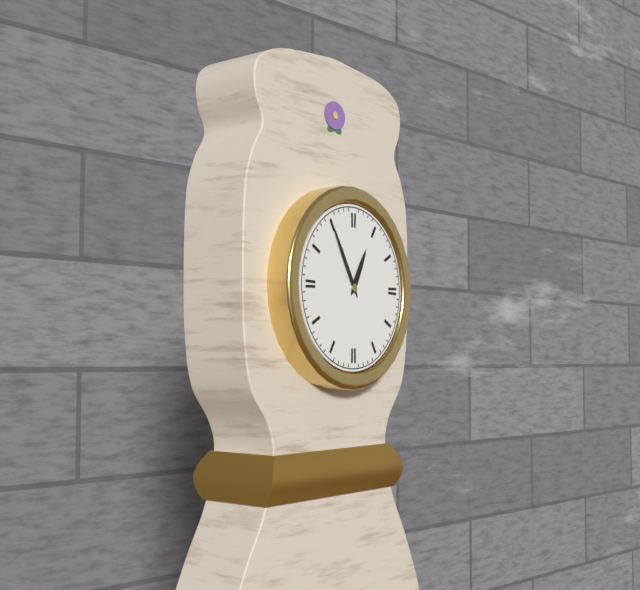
12:55
